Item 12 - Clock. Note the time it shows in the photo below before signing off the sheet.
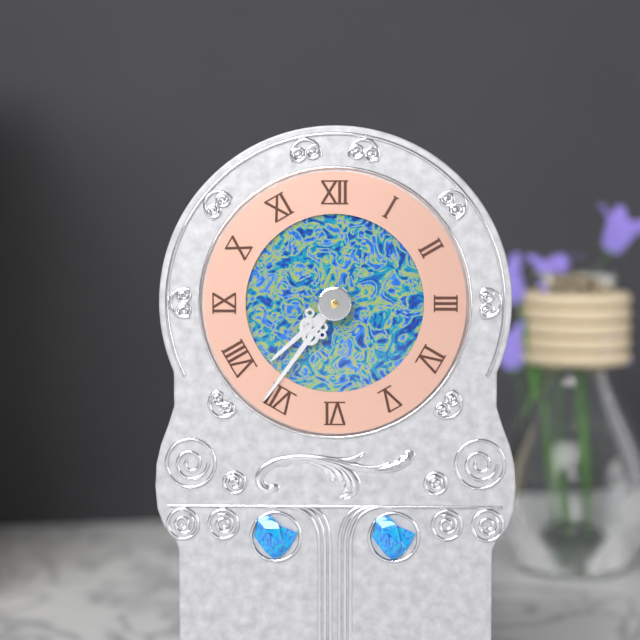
7:36
